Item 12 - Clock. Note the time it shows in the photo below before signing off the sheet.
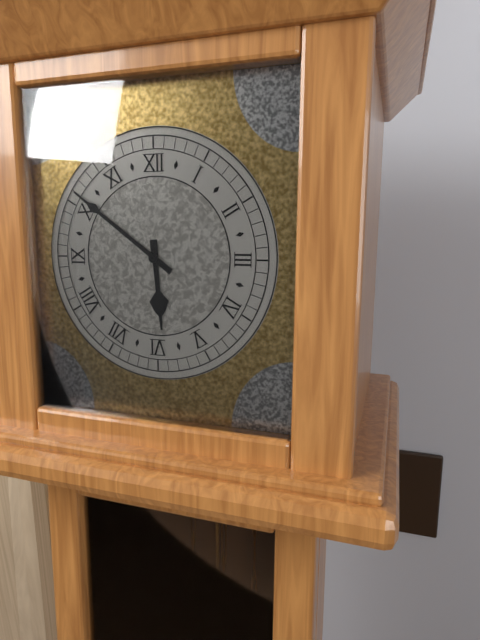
5:51
